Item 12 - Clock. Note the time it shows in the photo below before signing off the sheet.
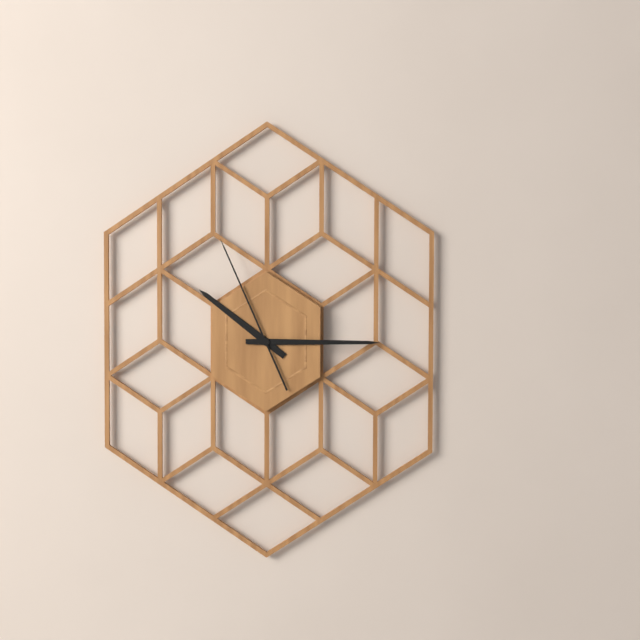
10:15:56
